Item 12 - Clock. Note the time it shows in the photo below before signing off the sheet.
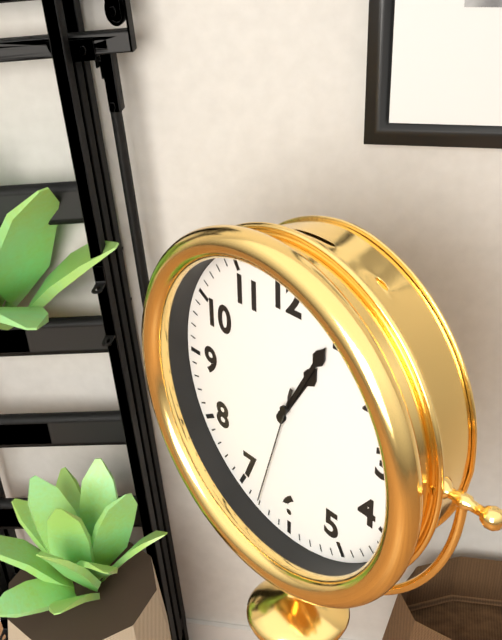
1:05:33
